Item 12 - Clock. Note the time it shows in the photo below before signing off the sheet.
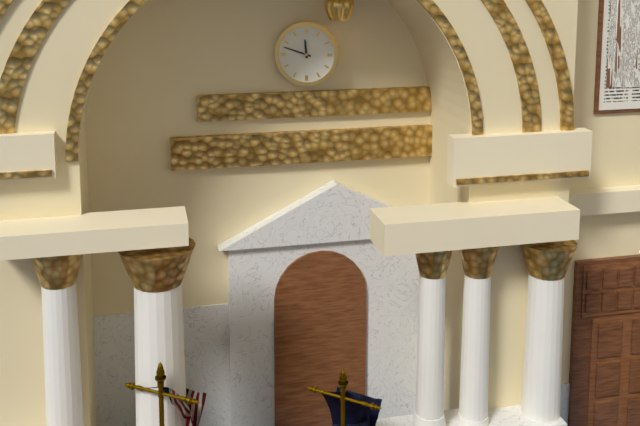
11:48
